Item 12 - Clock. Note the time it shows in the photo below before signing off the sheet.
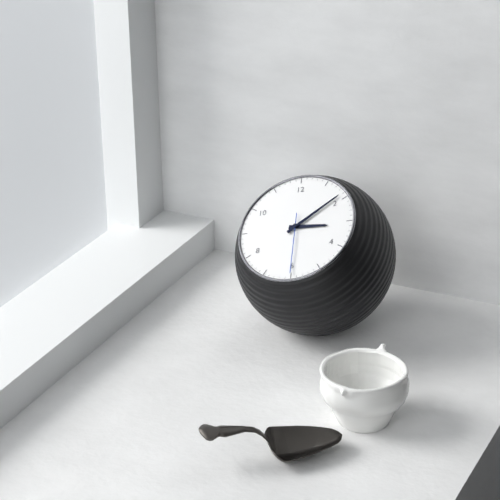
3:09:30
